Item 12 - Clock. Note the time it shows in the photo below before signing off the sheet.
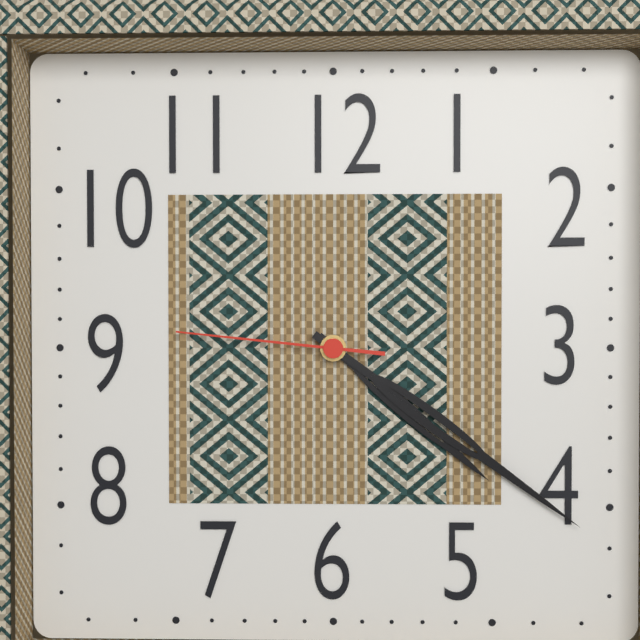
4:21:46
